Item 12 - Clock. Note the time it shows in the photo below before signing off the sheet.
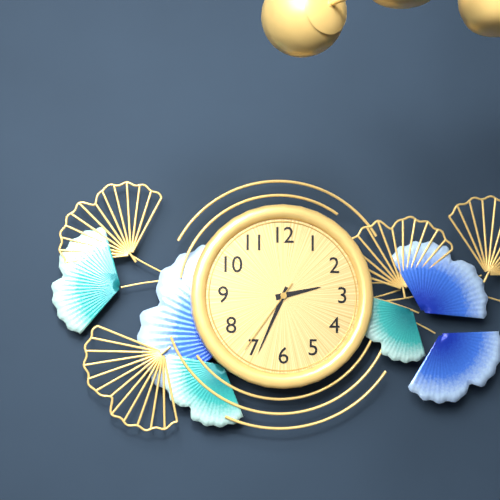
2:34:36
